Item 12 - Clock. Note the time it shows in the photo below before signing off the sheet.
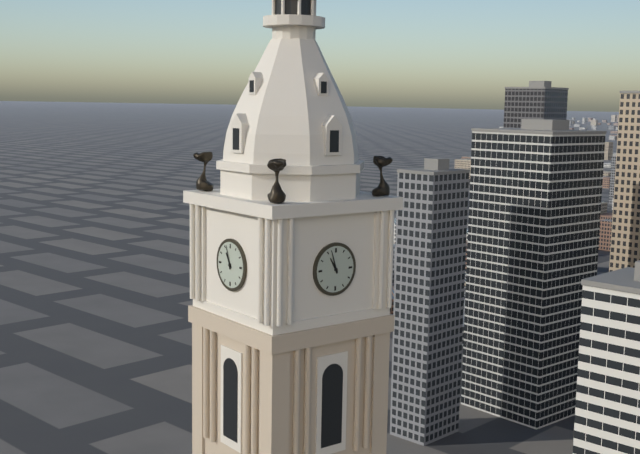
10:57
